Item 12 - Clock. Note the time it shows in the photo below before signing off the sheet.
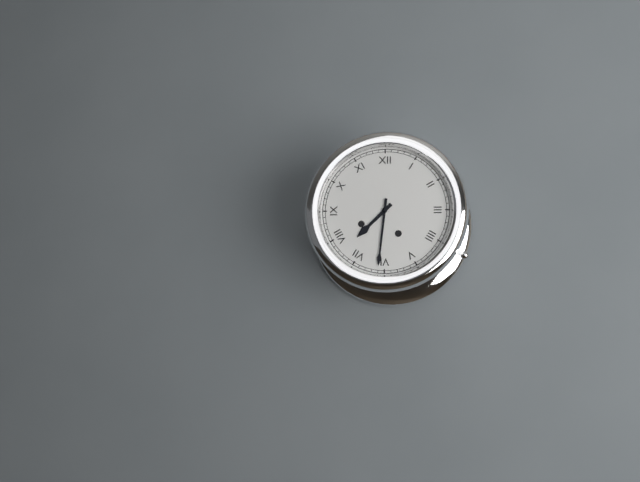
7:31
